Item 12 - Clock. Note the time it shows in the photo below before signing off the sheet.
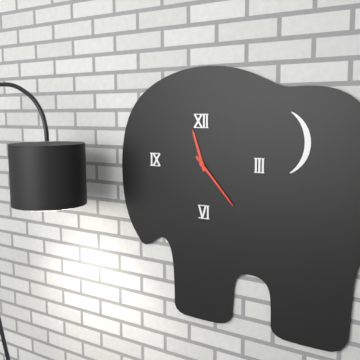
11:23
